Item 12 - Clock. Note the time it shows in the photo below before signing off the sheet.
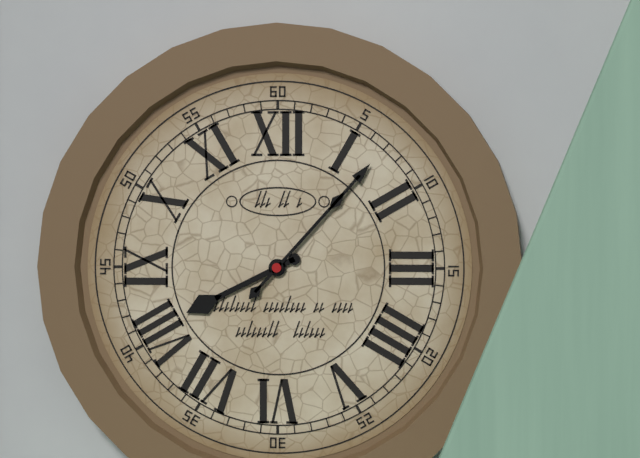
8:07
